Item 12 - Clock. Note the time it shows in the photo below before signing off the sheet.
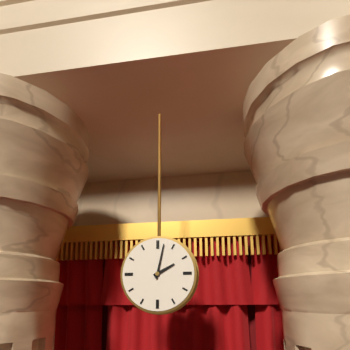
2:02
